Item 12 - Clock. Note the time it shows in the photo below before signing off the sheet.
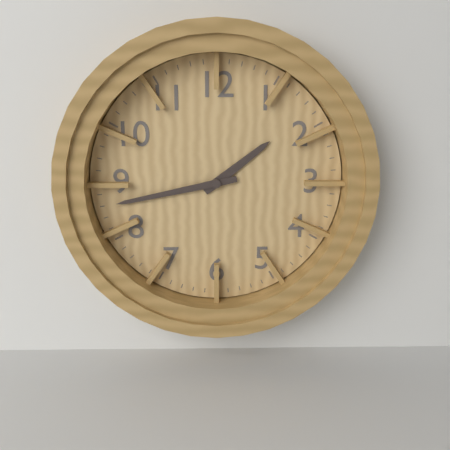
1:43
